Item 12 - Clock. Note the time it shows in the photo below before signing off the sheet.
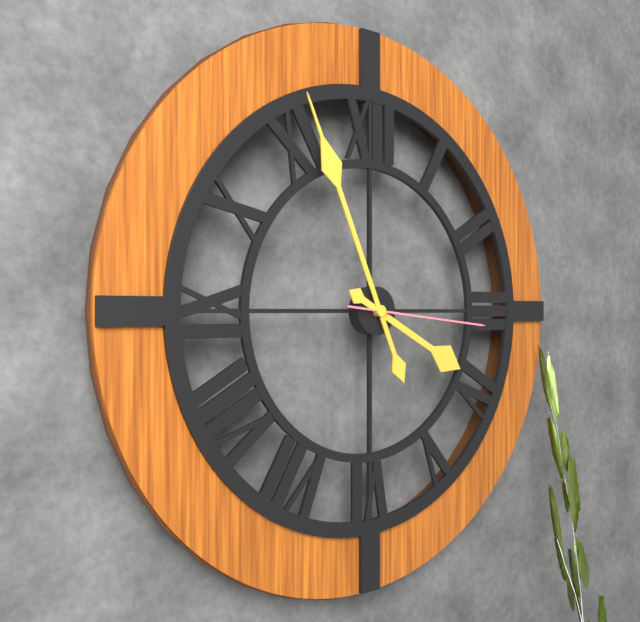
3:56:16
